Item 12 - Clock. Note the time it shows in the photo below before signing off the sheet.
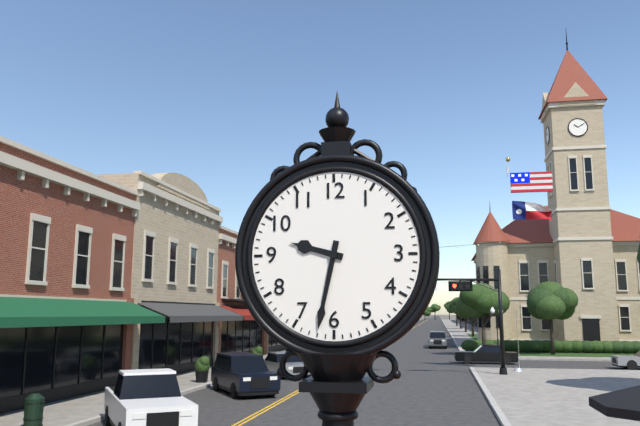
9:32
